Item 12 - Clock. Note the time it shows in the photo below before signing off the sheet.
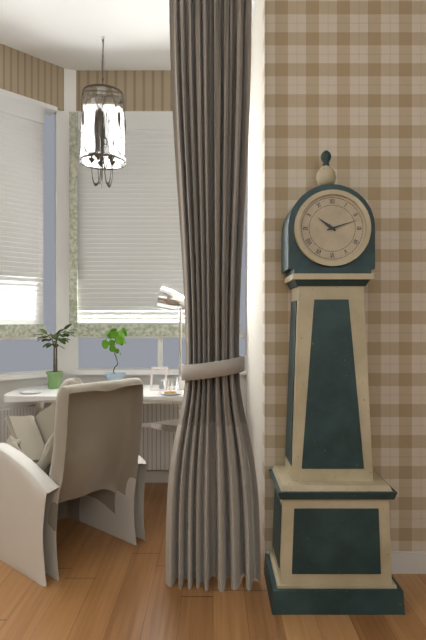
10:12
